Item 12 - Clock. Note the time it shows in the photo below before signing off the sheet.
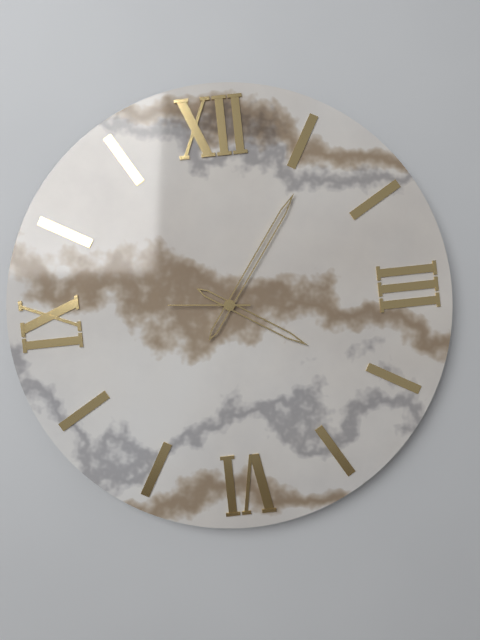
4:06:46
